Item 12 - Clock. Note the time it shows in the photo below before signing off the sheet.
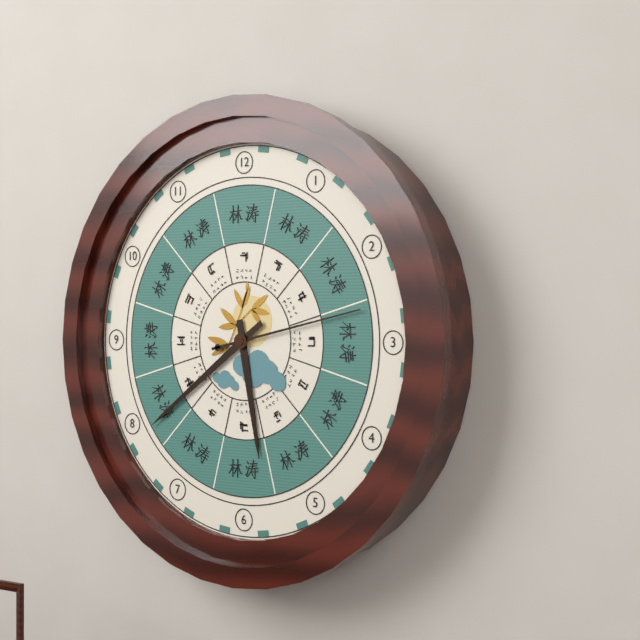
5:39:13
